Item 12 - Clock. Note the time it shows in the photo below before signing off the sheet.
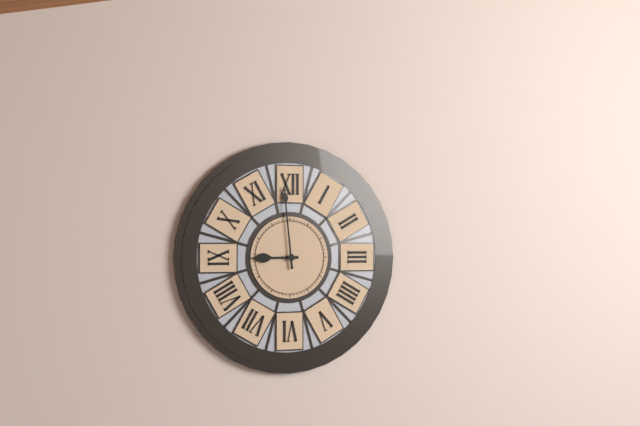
8:59
